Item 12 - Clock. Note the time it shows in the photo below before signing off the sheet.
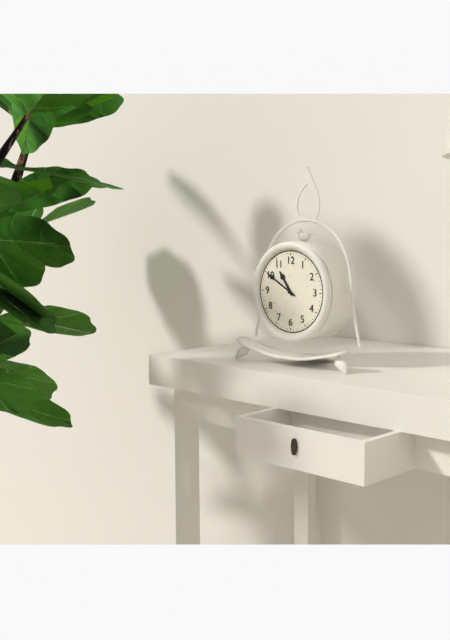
10:50
